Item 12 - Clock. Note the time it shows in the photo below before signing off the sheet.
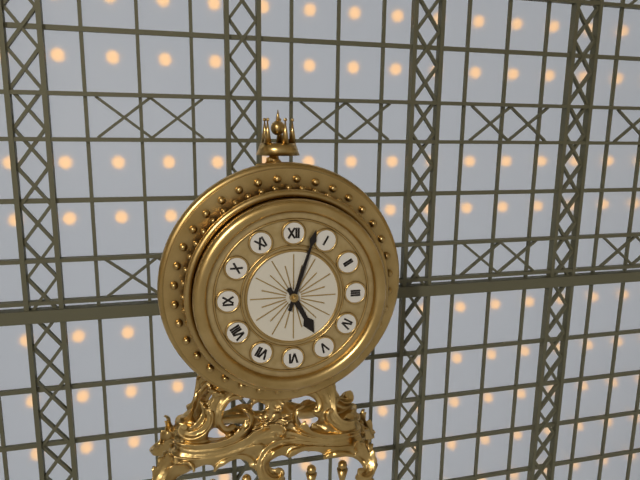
5:03
